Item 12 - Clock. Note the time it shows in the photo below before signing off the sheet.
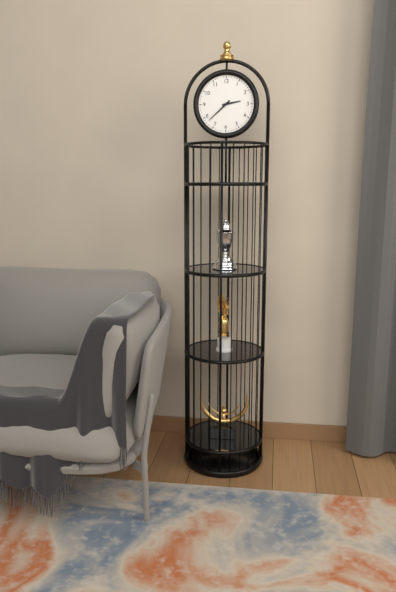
2:38
